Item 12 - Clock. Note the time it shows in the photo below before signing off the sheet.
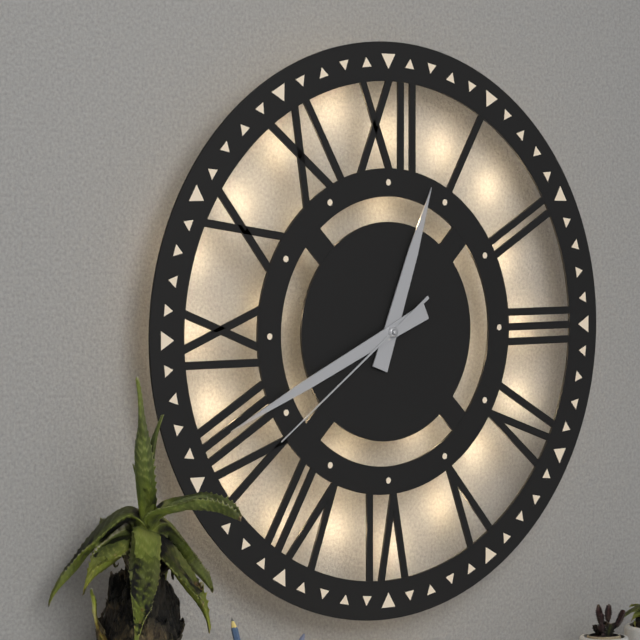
12:41:39
